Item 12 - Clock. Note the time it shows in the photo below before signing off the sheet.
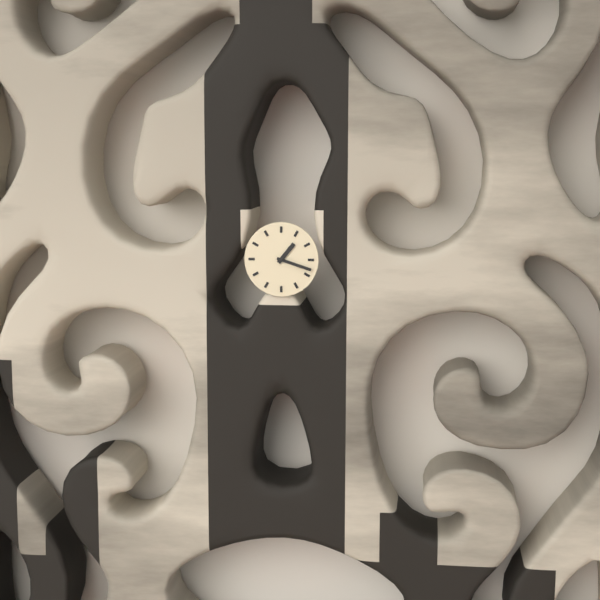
1:18
